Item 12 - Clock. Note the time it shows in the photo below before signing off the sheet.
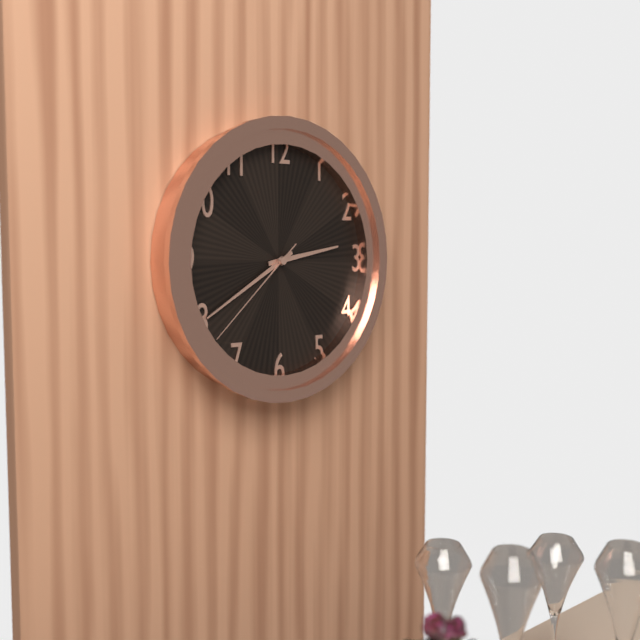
2:40:38
